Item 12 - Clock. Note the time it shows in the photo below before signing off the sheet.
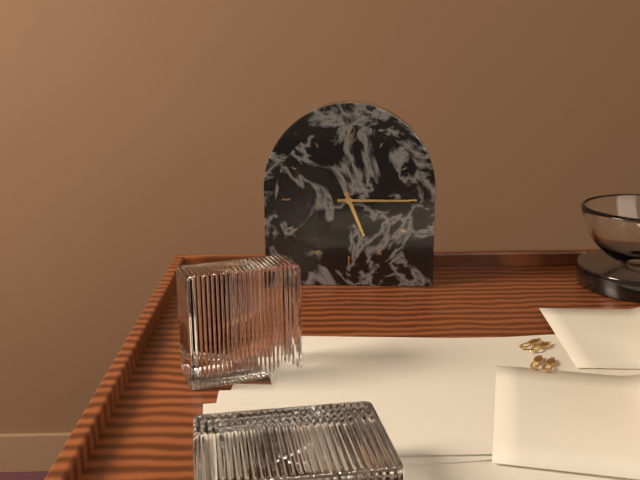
5:15
